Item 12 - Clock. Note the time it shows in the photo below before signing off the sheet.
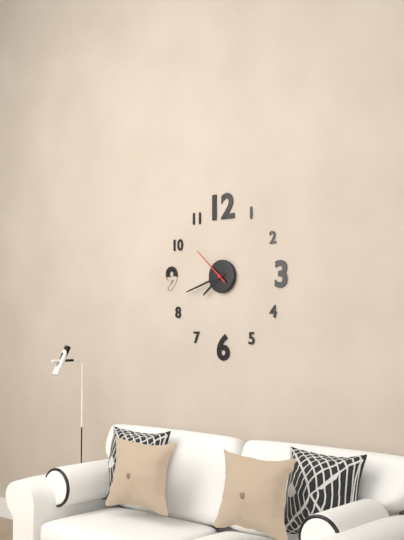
7:42
